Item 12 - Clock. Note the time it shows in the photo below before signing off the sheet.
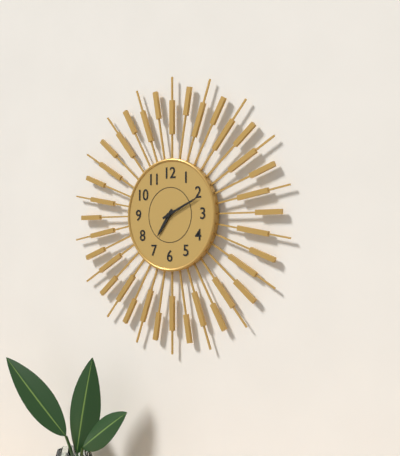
7:11
